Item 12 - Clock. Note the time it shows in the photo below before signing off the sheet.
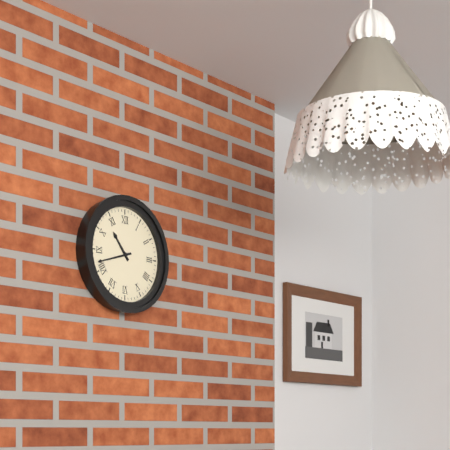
10:42
